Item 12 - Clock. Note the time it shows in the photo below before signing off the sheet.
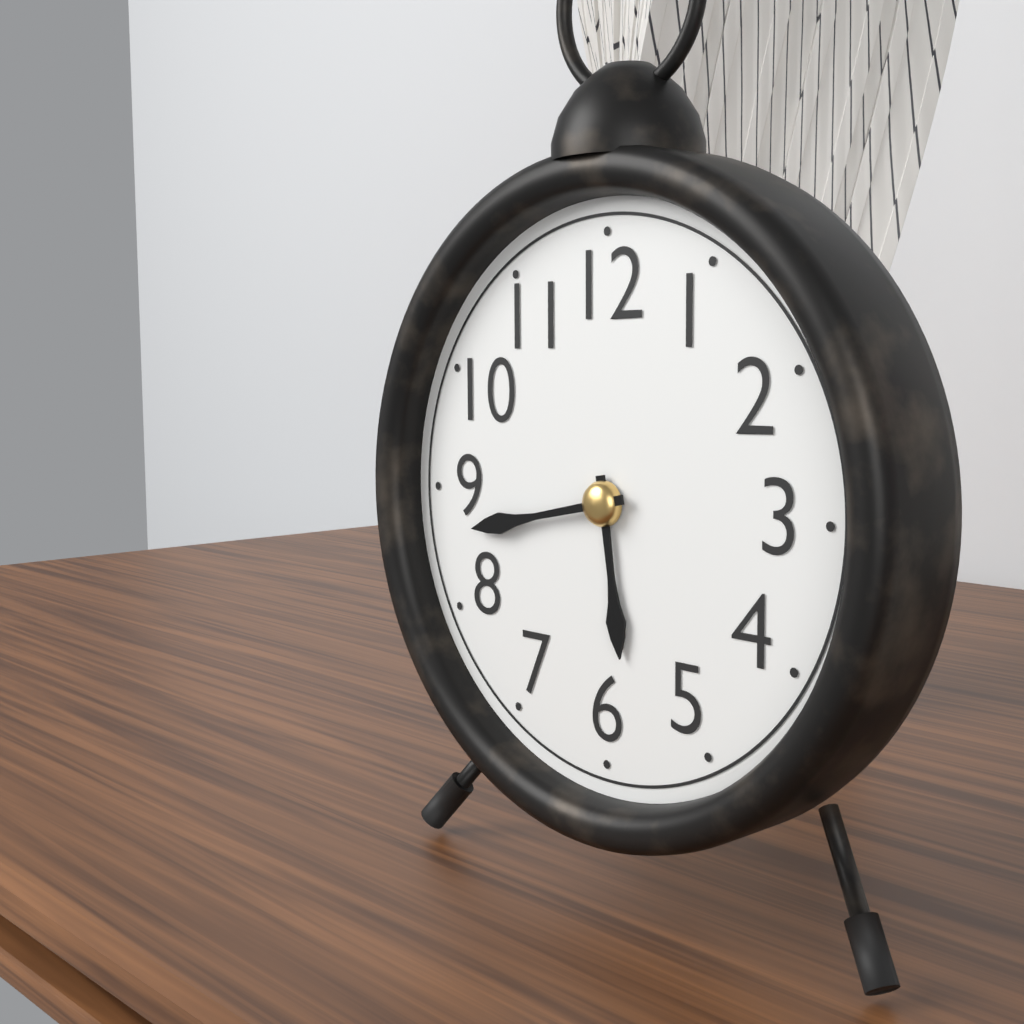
5:43
